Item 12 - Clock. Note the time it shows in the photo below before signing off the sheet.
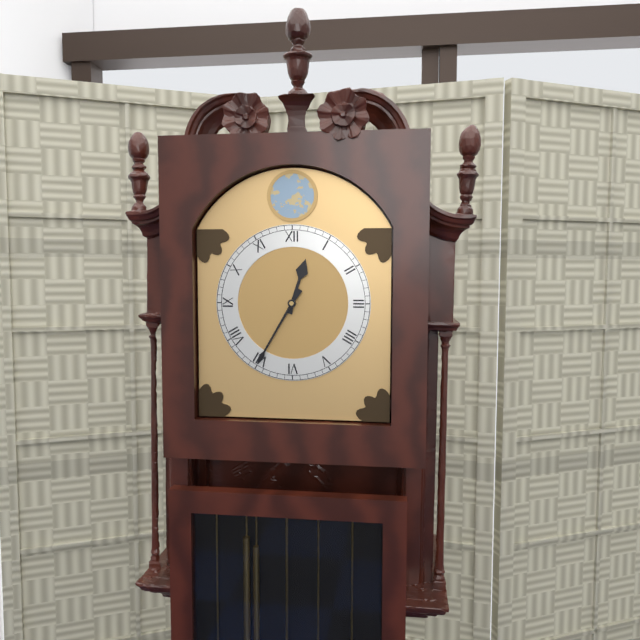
12:35
